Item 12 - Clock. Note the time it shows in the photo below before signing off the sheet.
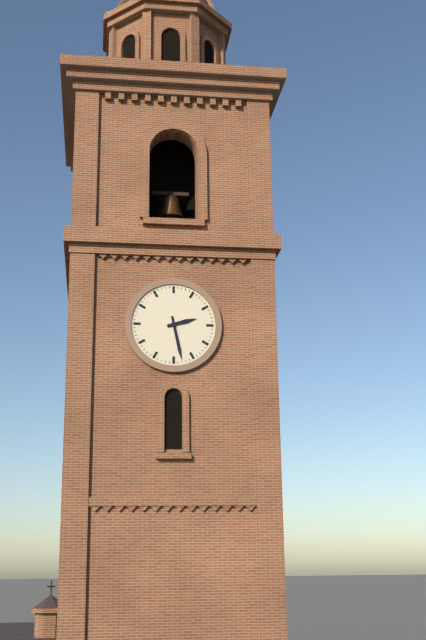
2:28
